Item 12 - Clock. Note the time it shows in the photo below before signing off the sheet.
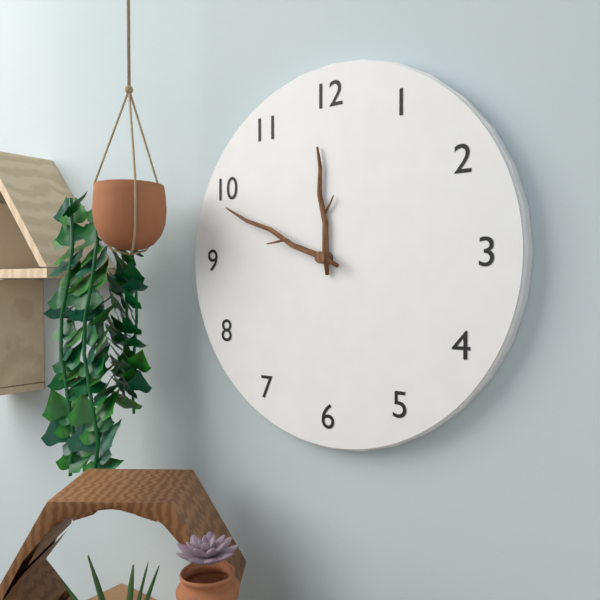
11:49
